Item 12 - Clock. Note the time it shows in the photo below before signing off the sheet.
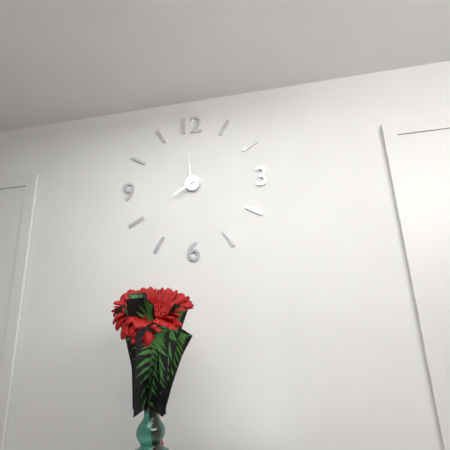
7:59
